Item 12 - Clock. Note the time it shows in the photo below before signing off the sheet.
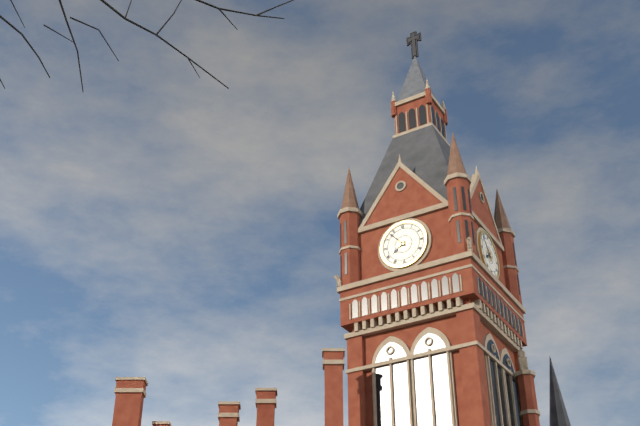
7:53
